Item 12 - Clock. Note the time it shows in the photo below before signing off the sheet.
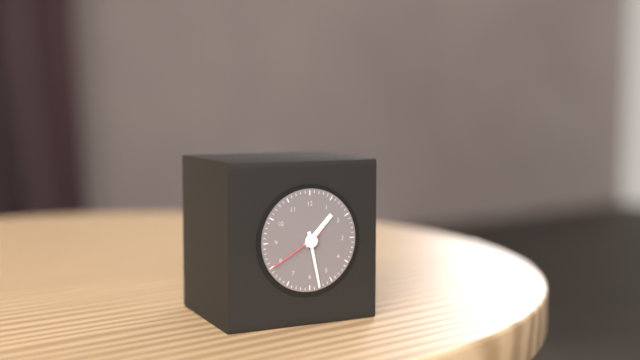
1:28:40
